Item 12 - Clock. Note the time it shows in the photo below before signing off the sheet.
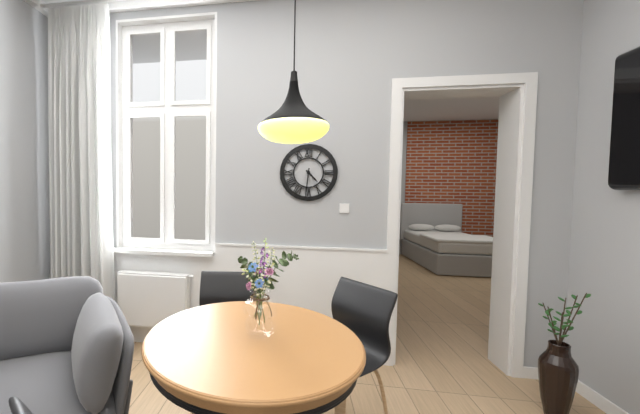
4:31
